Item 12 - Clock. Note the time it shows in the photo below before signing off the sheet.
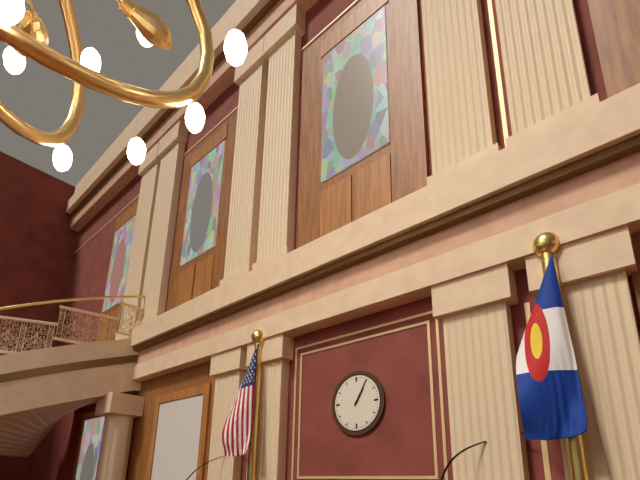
1:05
